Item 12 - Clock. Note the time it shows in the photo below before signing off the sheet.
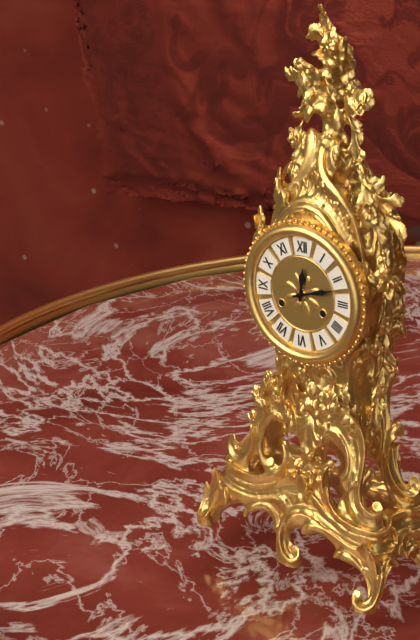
12:12
